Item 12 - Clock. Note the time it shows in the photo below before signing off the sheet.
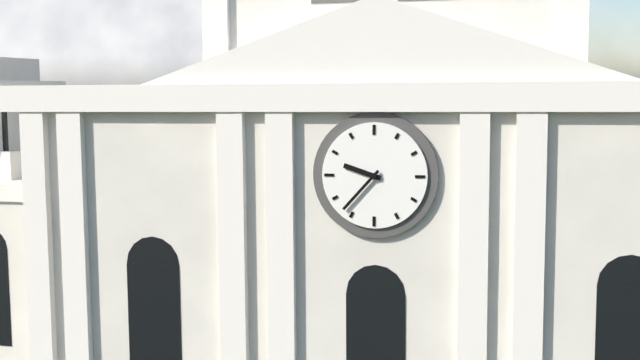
9:37
